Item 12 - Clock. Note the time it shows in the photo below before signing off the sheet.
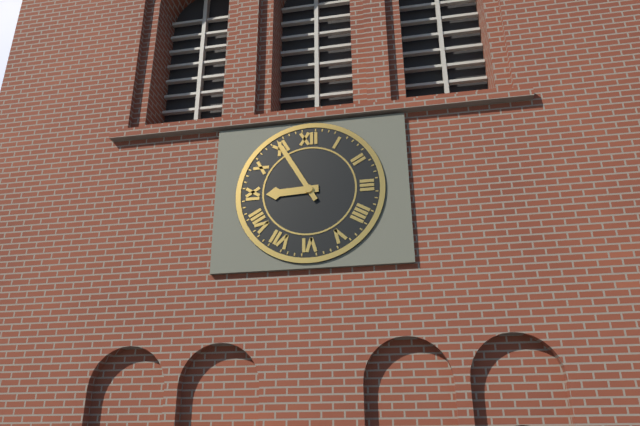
8:55
